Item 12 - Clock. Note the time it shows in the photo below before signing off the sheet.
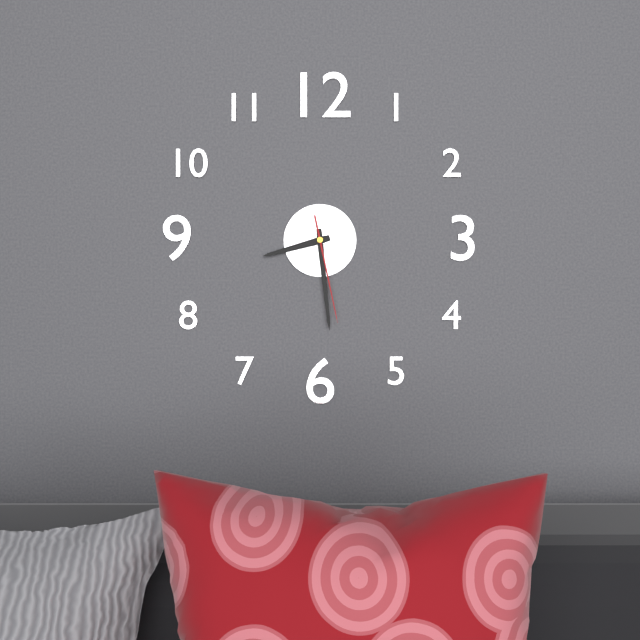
8:29:28
